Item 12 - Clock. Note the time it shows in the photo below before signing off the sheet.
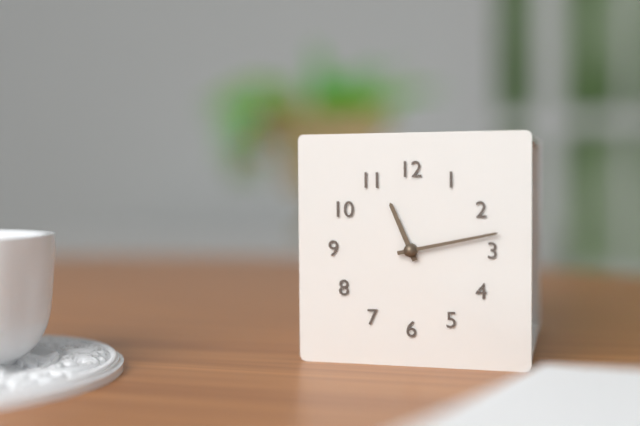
11:13
